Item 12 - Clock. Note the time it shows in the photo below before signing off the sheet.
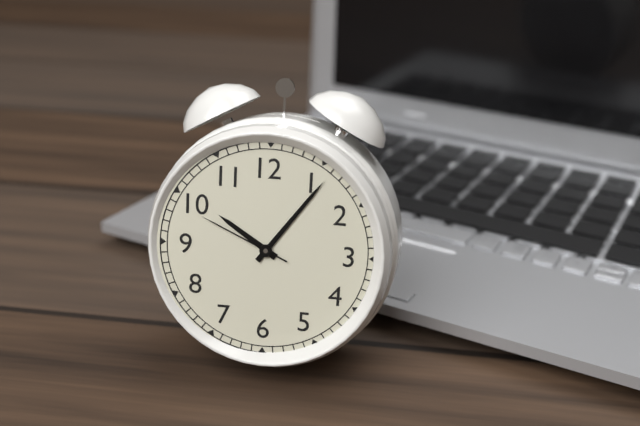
10:06:49
